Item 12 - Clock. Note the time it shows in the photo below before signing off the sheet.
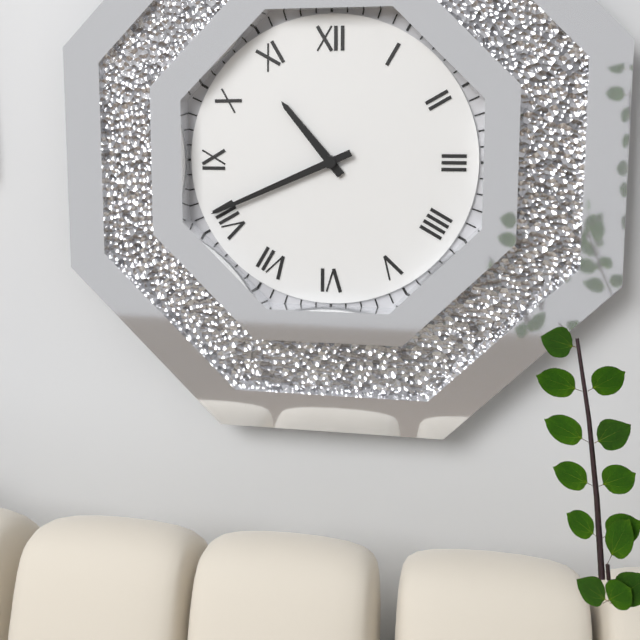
10:41
